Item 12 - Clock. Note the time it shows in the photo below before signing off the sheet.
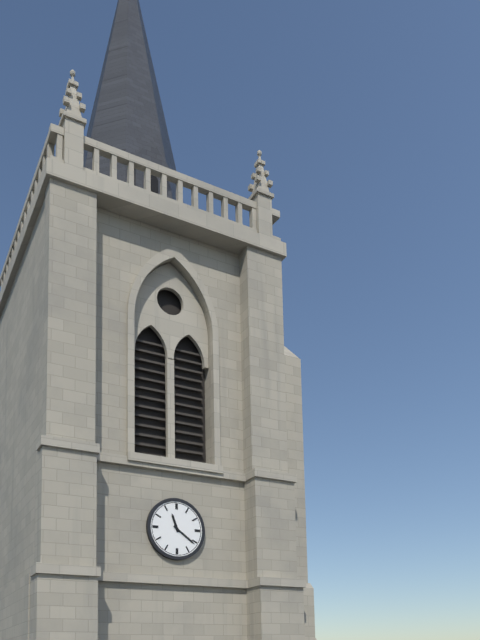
11:21
